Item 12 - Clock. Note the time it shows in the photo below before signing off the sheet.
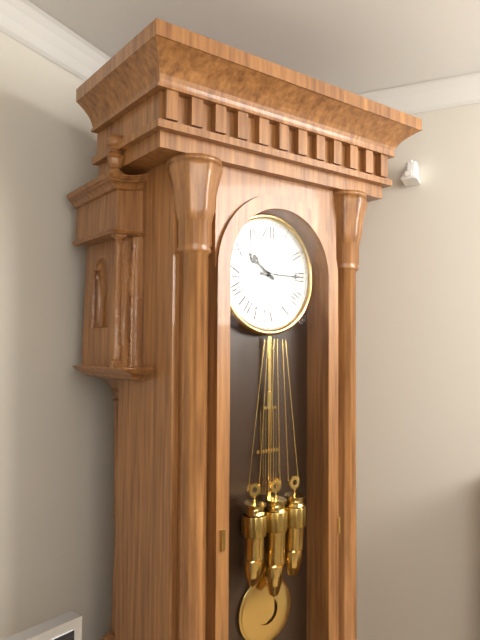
10:15
